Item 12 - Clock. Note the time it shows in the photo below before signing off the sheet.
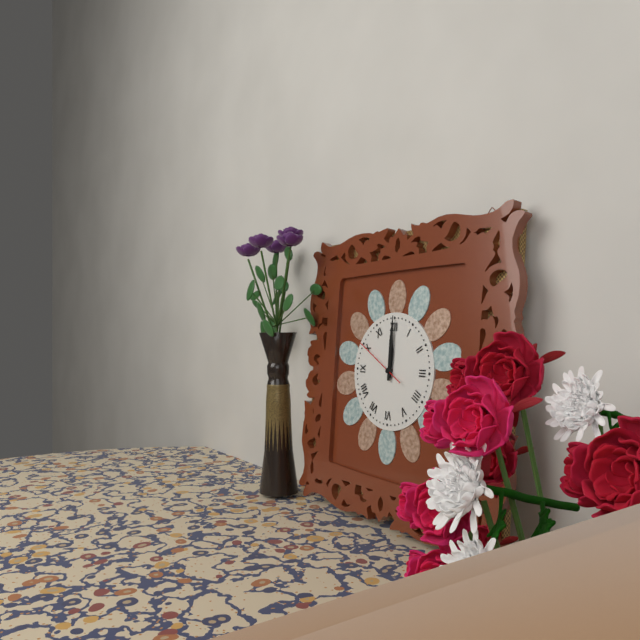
12:00
